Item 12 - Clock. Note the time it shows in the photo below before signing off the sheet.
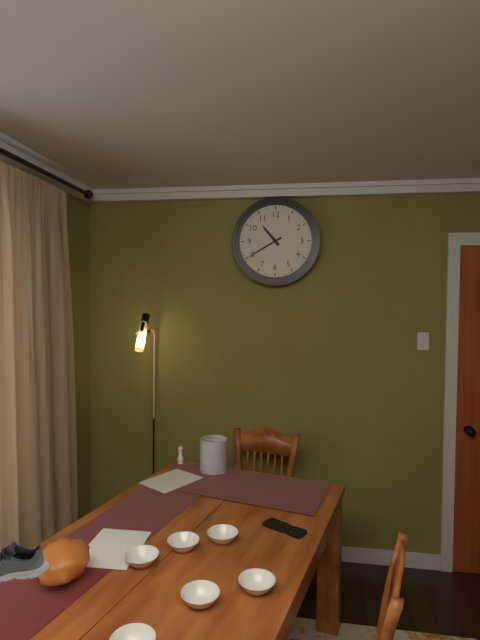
10:40
